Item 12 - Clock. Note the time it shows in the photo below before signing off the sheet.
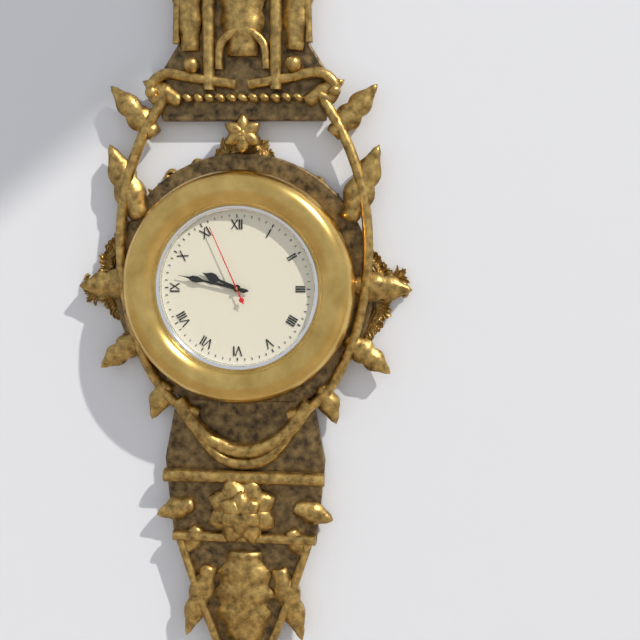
9:47:56
